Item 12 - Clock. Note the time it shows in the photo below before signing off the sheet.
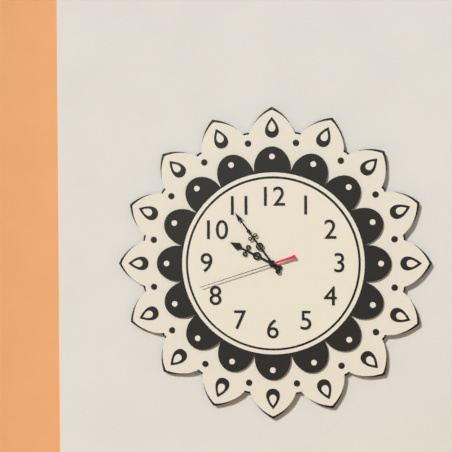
9:54:42
